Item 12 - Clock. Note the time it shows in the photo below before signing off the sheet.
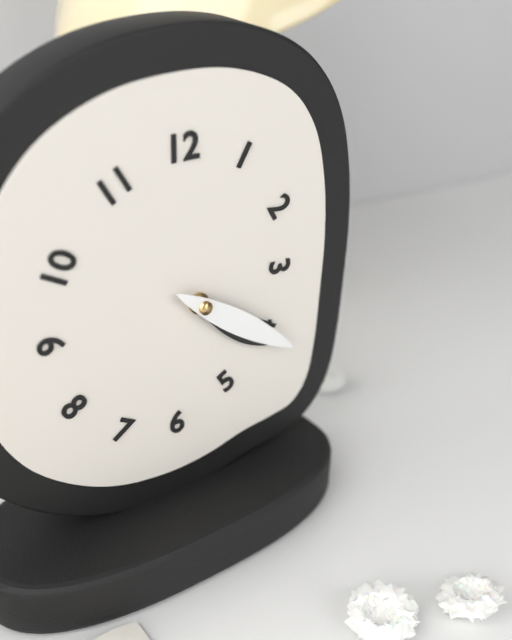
4:21
